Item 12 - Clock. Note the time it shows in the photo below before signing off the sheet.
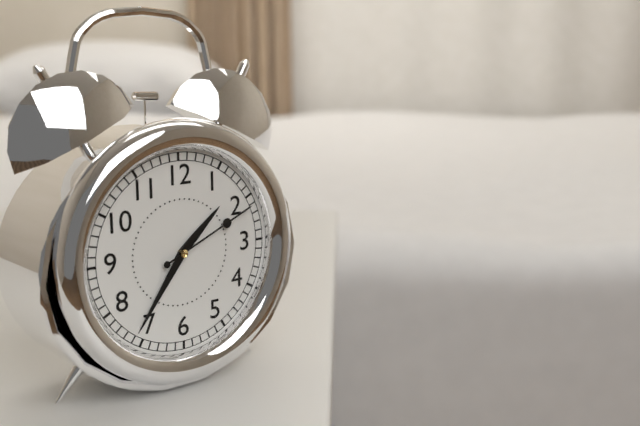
1:36:11
